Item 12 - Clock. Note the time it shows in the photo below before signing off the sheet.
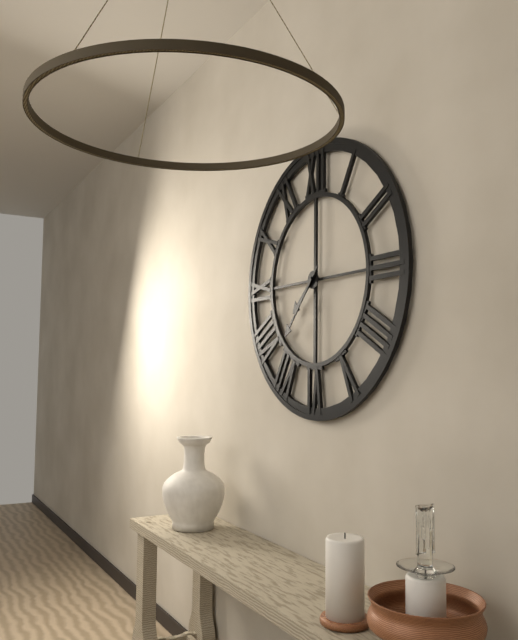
7:37
